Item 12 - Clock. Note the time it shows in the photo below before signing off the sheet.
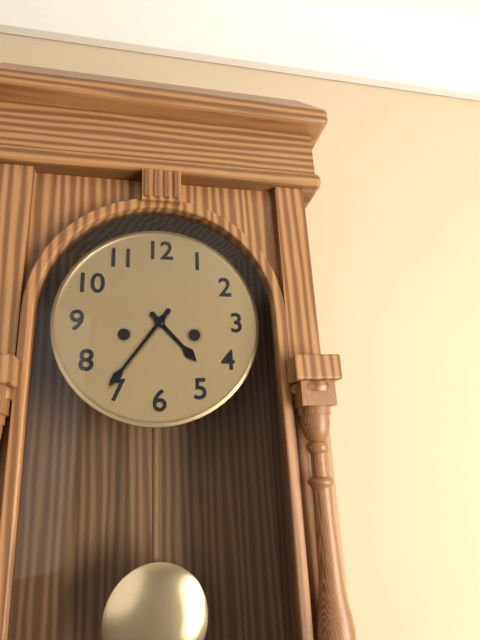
4:36
